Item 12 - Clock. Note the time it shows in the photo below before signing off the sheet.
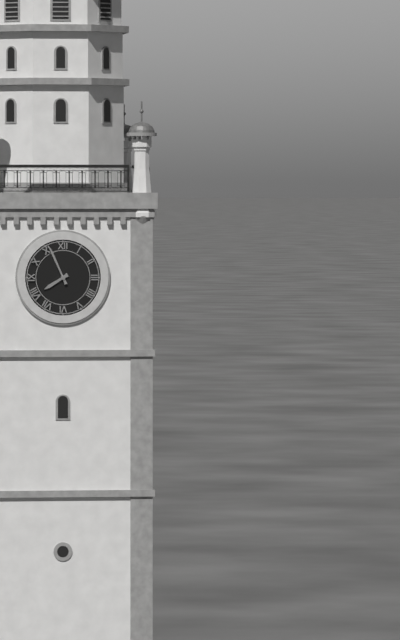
7:56
